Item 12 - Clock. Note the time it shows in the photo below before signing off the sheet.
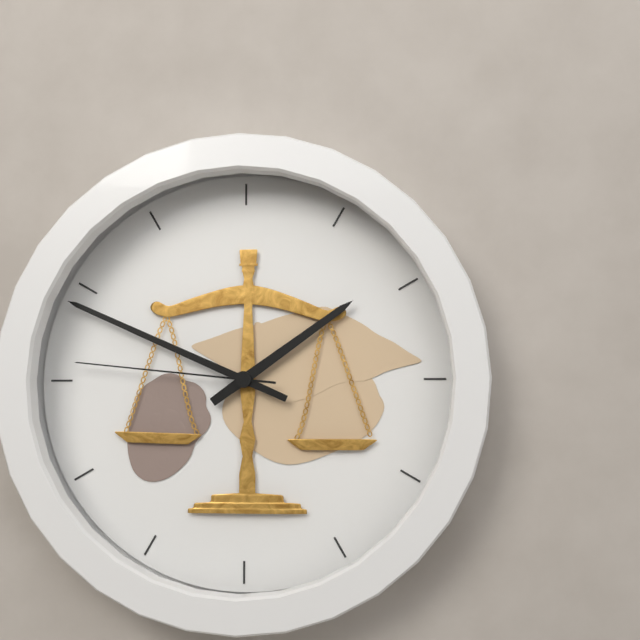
1:49:46
